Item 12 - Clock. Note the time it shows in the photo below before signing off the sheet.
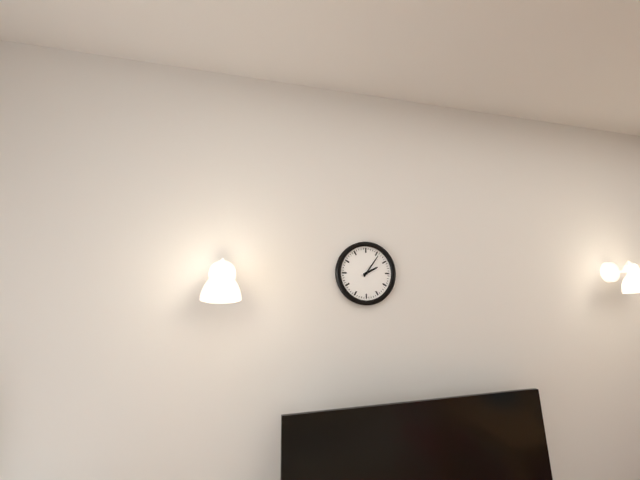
2:06
